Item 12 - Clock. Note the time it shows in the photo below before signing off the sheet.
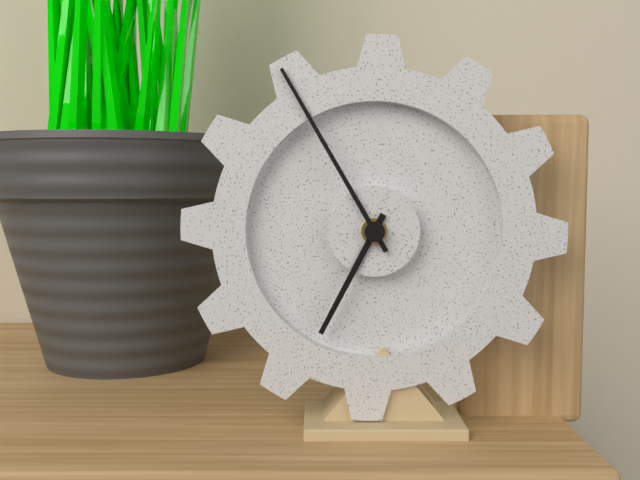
6:55
